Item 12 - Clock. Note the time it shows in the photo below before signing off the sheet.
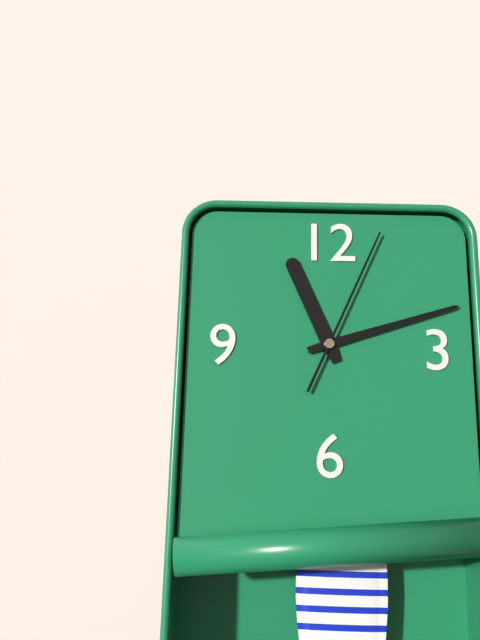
11:12:04
